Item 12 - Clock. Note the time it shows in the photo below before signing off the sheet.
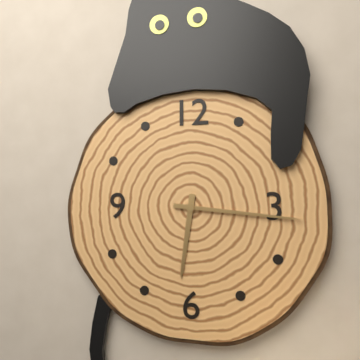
6:16
